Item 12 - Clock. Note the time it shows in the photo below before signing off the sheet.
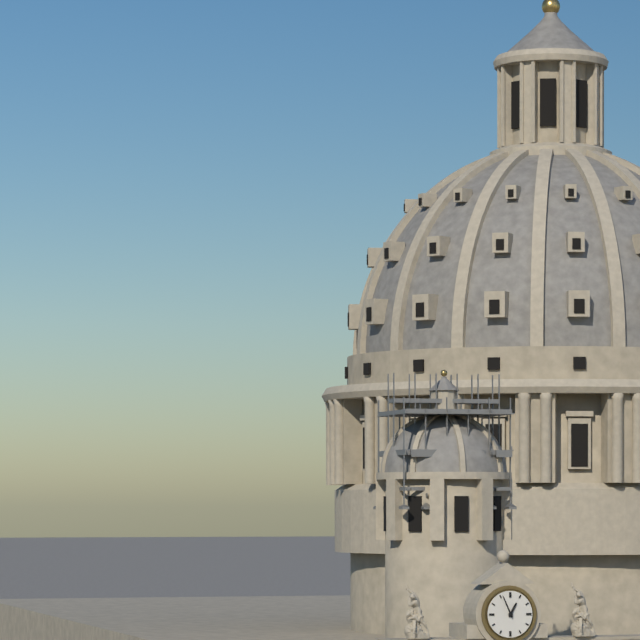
12:56
